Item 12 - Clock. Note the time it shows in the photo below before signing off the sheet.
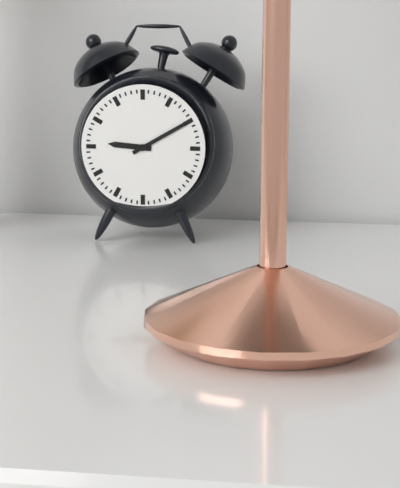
9:10
